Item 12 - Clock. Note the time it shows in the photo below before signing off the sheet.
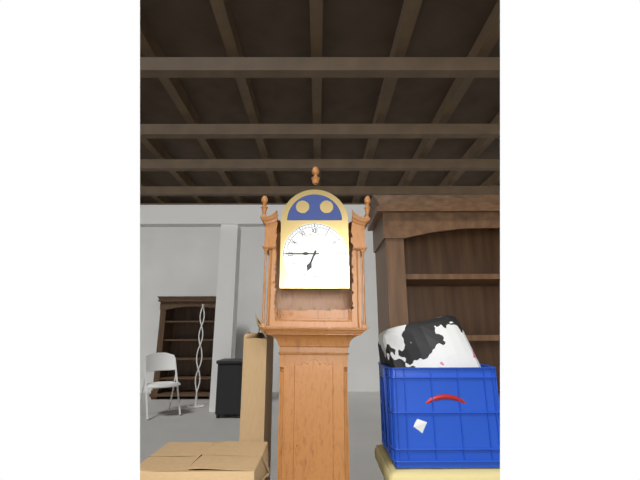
6:45
